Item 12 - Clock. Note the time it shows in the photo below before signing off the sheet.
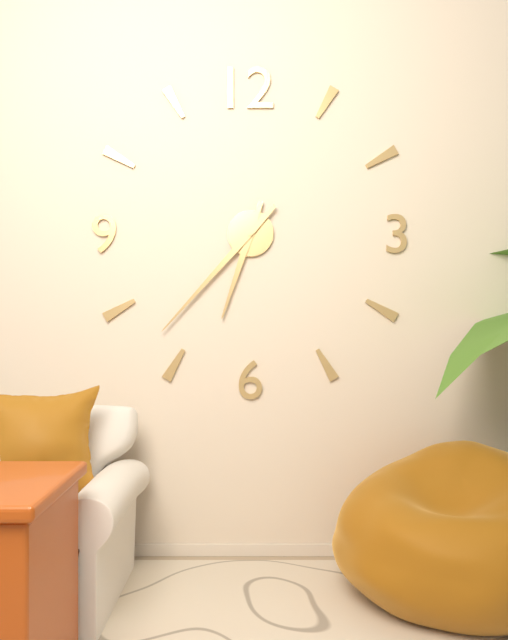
6:37
